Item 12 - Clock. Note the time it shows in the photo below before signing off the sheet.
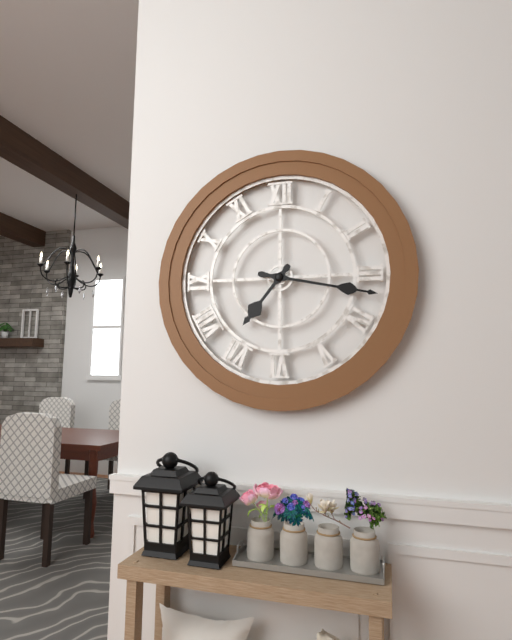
7:17
